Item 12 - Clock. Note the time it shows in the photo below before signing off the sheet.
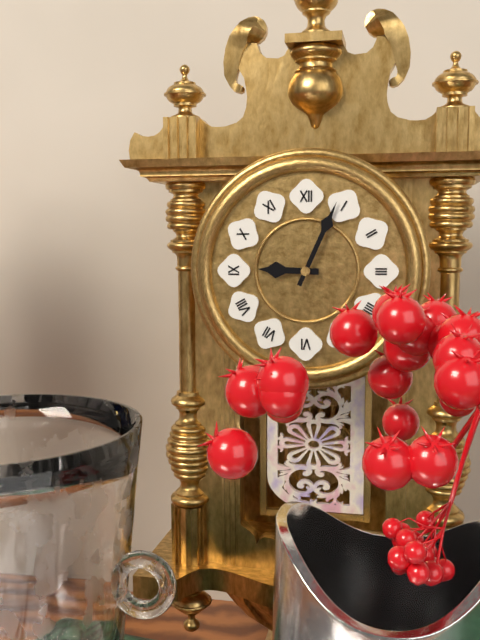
9:04
